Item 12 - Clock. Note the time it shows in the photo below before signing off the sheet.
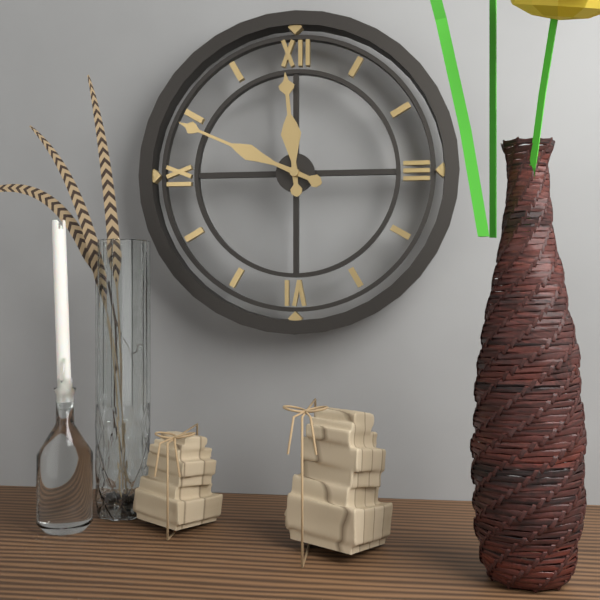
11:49
